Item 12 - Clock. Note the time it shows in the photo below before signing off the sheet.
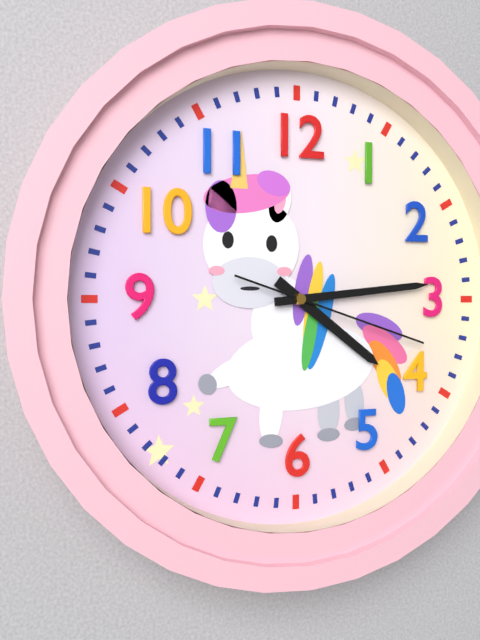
4:14:18
